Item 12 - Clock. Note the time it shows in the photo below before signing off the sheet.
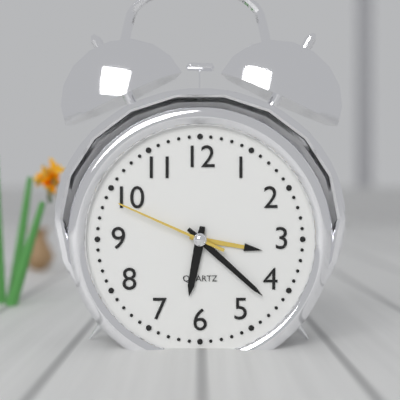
6:22:49
